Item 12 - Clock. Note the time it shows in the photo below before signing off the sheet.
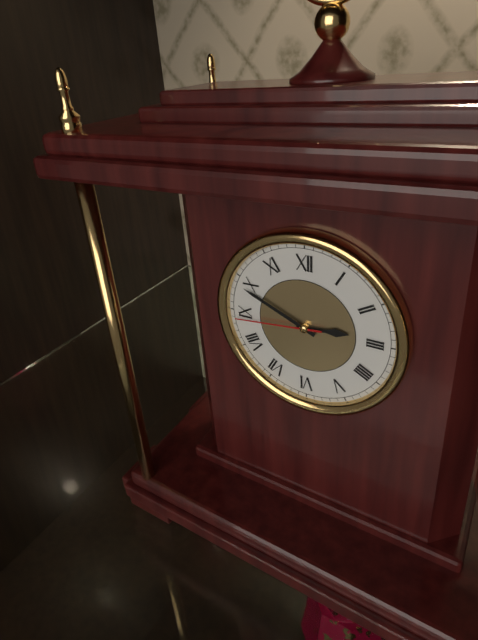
2:49:44
